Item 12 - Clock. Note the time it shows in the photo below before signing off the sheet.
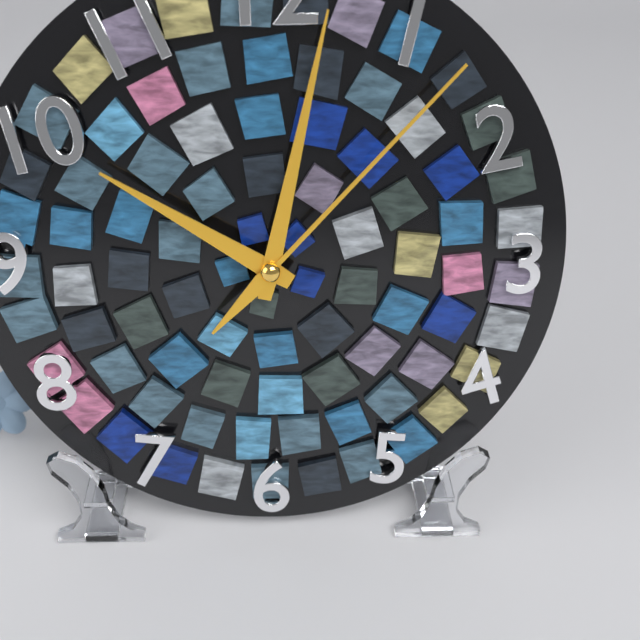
10:02:07
